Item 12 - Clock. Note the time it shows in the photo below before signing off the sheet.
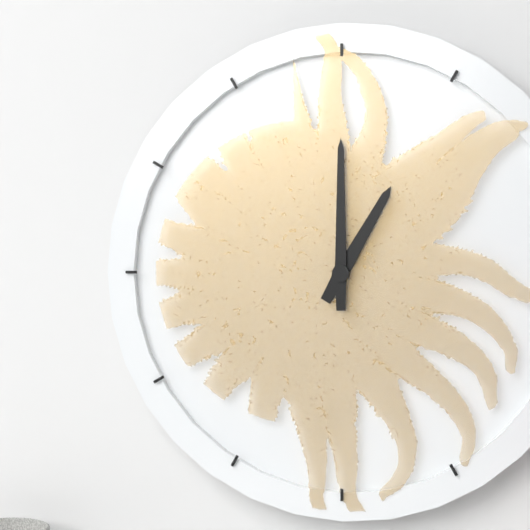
1:00
